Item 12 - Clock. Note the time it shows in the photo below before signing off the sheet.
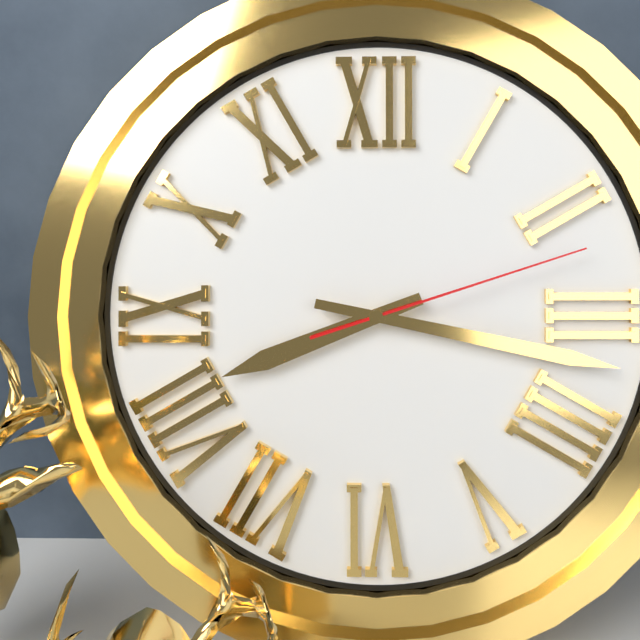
8:17:12
